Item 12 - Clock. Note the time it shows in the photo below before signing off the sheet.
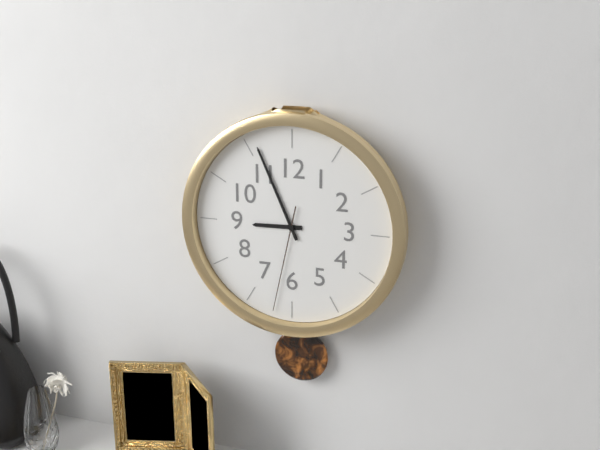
8:56:32
